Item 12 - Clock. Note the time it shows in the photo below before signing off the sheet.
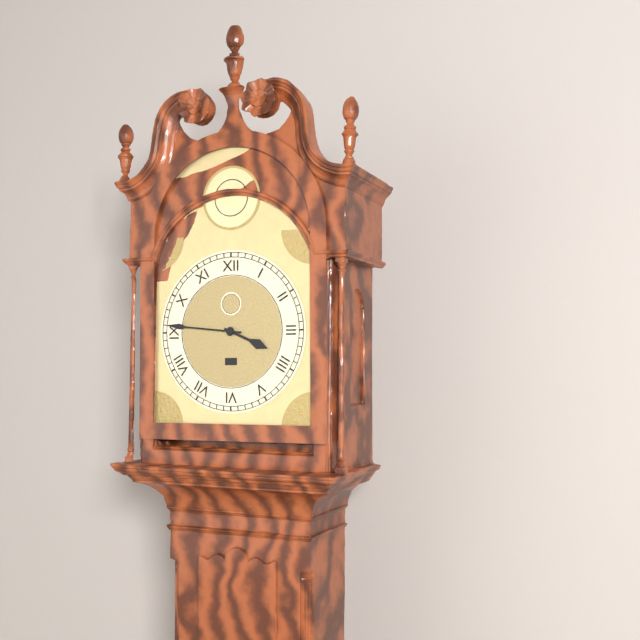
3:46
